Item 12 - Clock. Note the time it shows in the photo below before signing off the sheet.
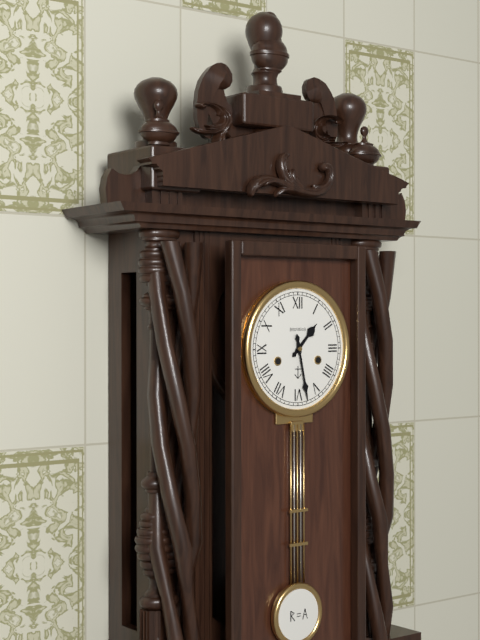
1:28
